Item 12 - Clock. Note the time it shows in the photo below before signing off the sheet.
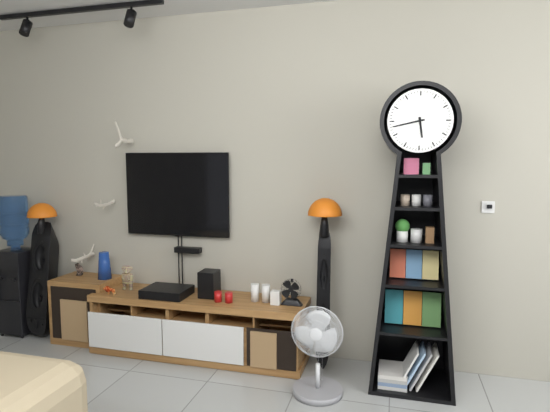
5:43
